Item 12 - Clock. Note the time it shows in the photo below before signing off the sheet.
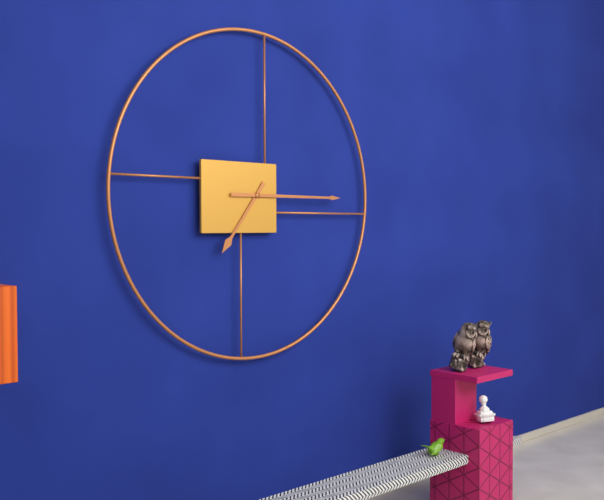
7:15
